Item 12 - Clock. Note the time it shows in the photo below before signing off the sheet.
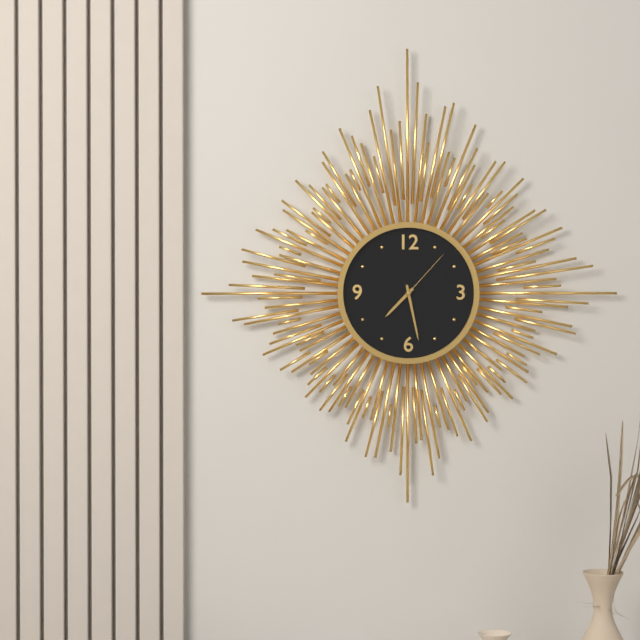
7:28:07
